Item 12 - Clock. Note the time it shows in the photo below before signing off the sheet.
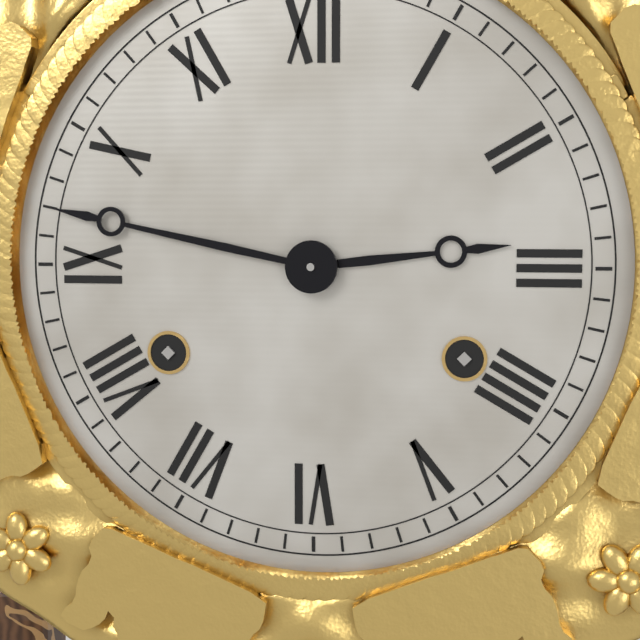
2:47
